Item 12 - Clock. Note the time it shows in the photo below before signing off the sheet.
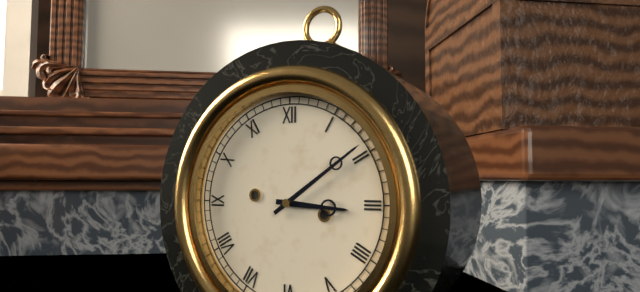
3:09
